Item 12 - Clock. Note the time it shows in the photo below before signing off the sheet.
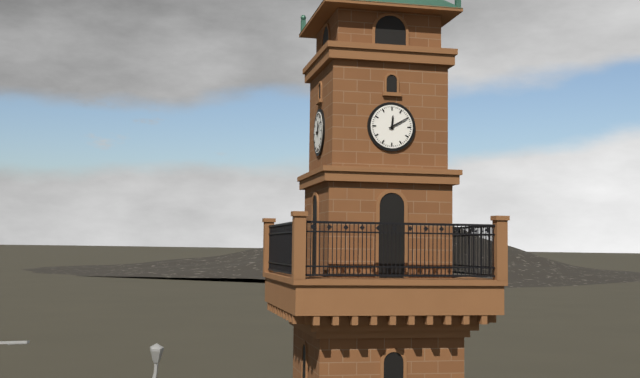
12:10
